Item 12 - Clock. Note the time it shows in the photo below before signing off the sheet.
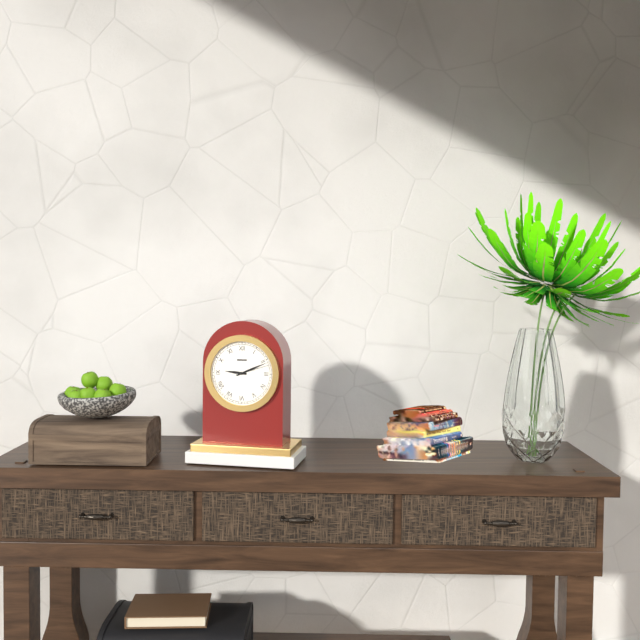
9:11
